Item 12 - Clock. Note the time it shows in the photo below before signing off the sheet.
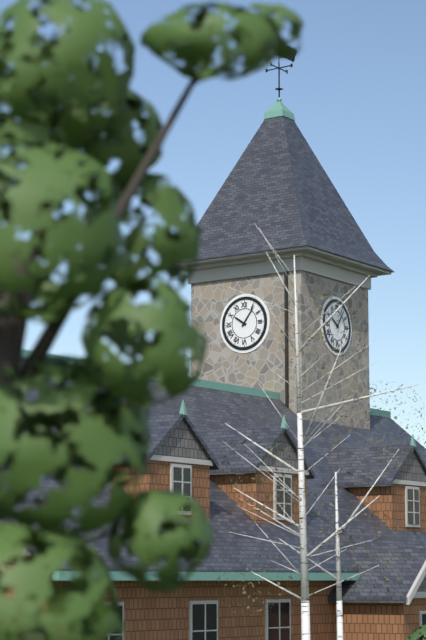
10:06
